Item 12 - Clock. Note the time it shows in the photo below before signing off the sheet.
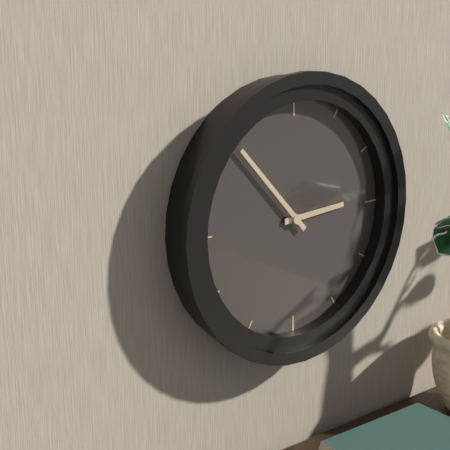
2:53
